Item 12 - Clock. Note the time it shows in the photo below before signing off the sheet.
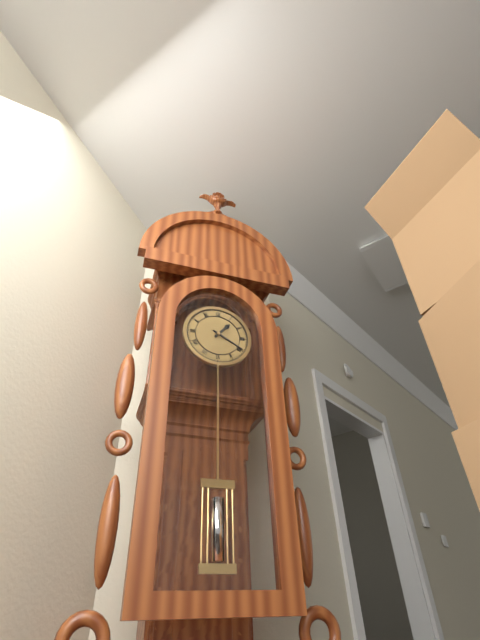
1:20
